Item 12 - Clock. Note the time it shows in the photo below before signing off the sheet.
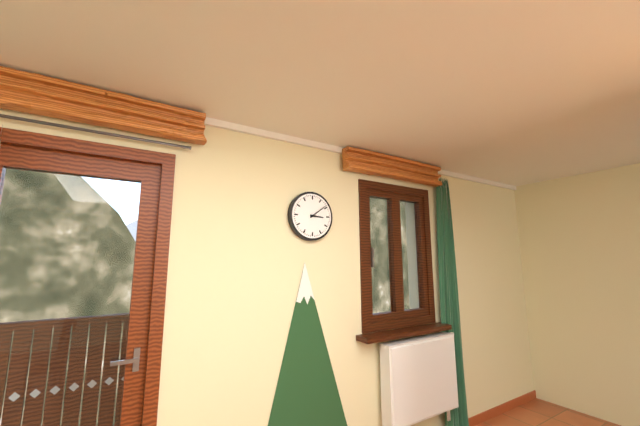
3:09
